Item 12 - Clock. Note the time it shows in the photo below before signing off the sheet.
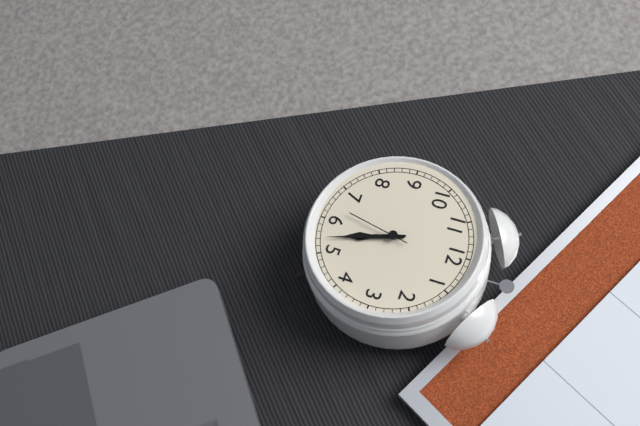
5:27:32
